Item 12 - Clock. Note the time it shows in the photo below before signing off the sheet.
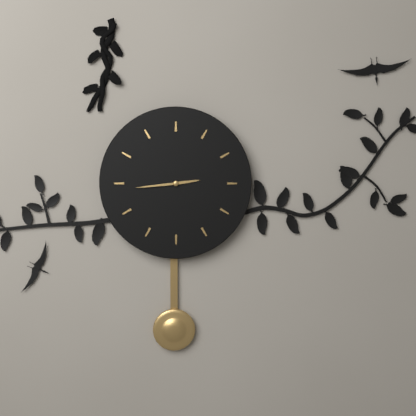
2:44
